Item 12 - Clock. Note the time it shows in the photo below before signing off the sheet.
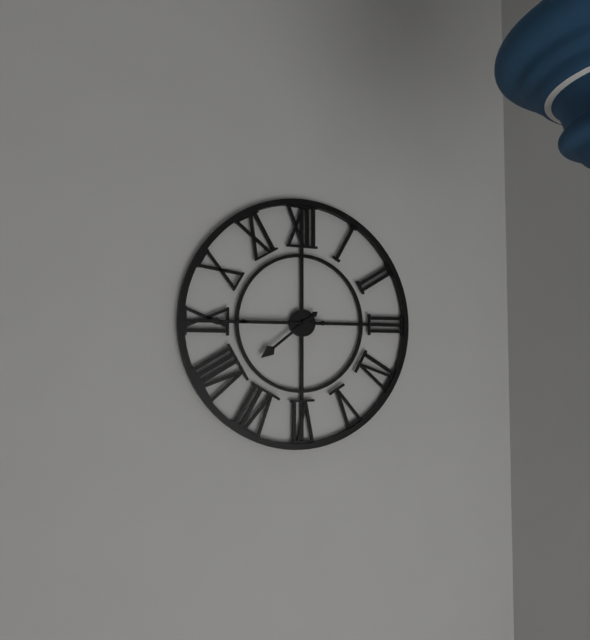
7:45
